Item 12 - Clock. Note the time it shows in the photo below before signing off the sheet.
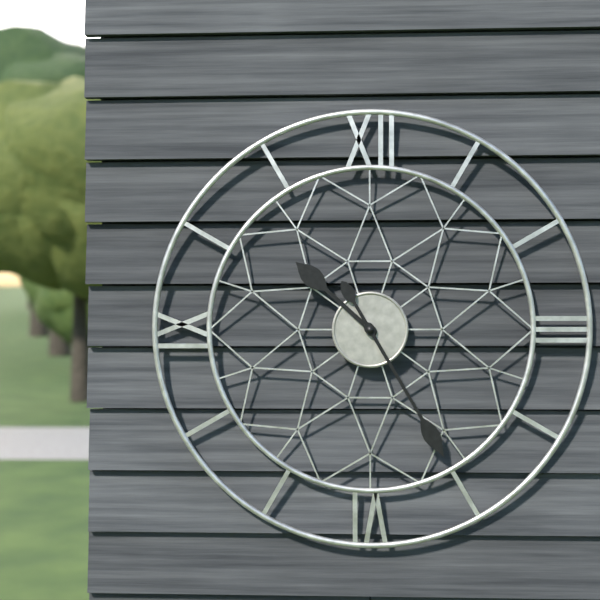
10:25
